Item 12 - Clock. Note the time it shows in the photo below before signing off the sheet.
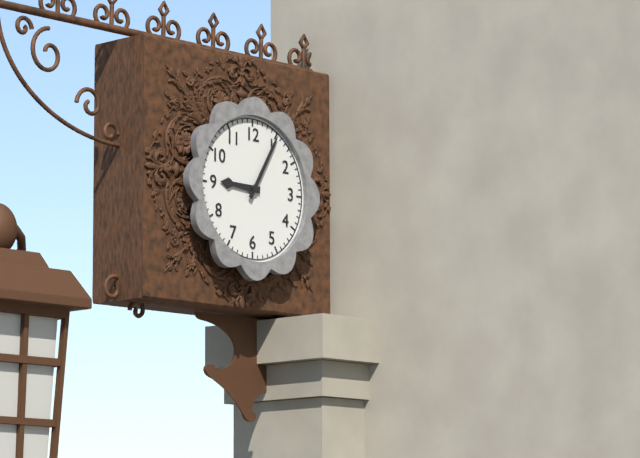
9:05
